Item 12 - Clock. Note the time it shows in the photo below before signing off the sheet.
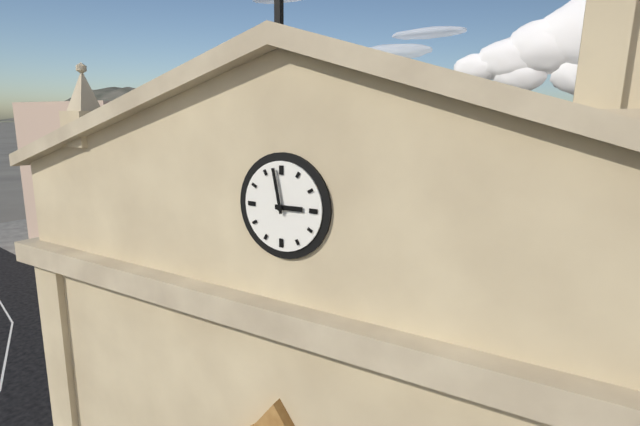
2:58
